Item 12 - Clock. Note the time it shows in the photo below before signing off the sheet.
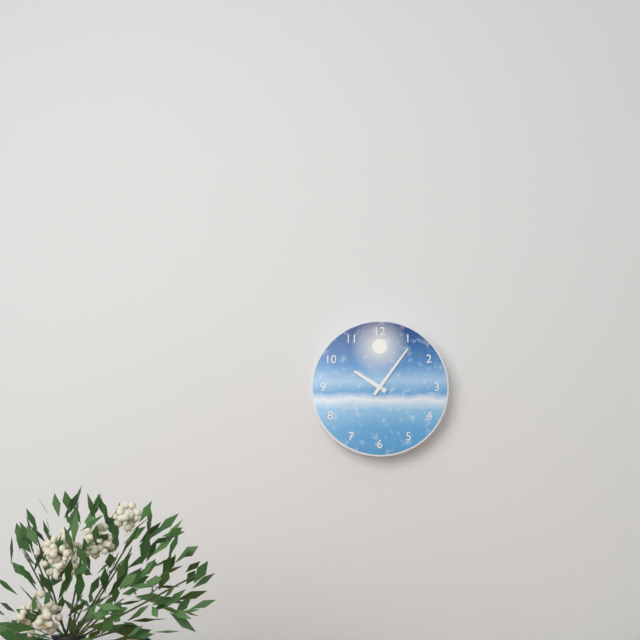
10:06
